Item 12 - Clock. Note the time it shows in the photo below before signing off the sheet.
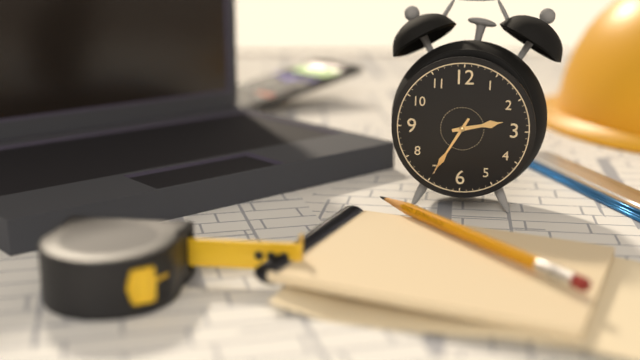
2:35
